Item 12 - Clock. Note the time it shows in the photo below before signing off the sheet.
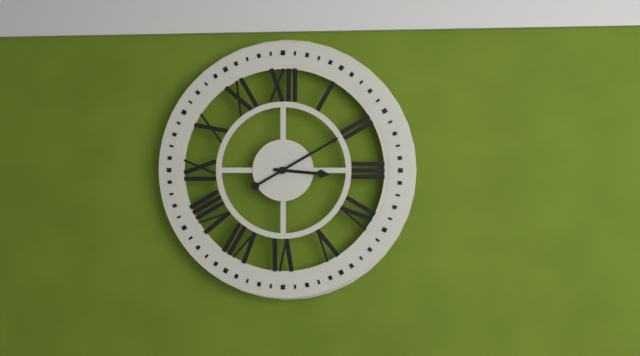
3:10
